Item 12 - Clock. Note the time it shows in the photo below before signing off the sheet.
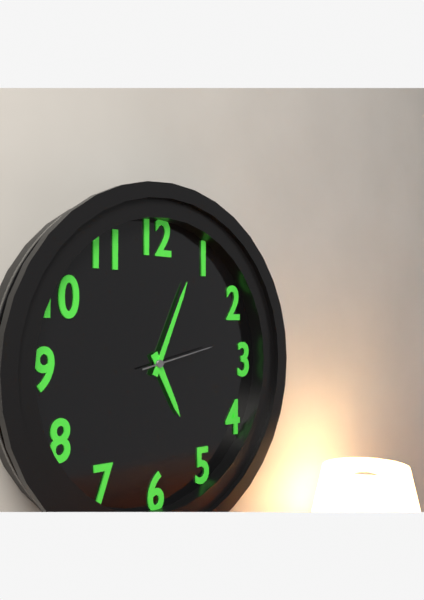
5:04:13
